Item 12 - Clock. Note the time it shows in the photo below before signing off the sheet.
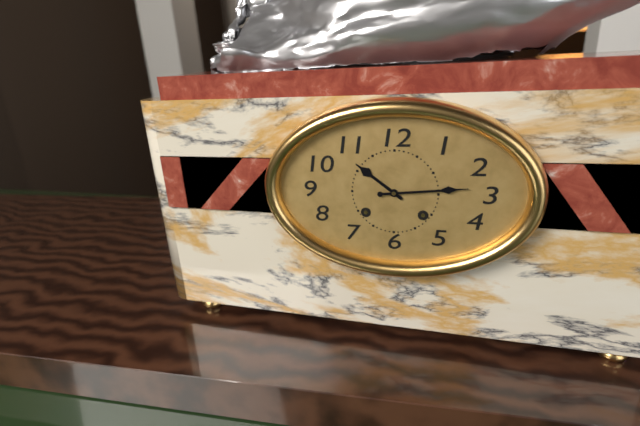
10:14
